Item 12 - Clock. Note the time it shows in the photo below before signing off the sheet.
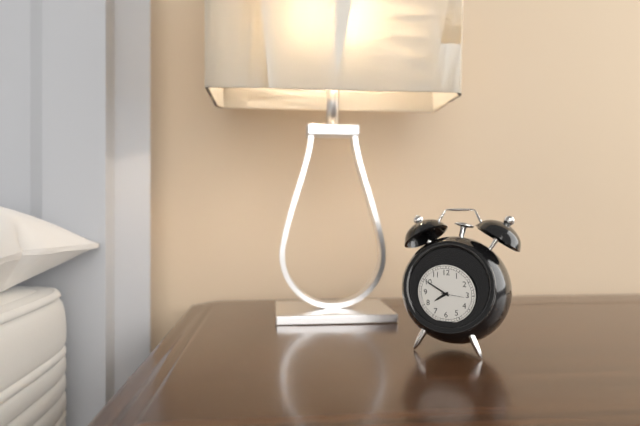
7:50
